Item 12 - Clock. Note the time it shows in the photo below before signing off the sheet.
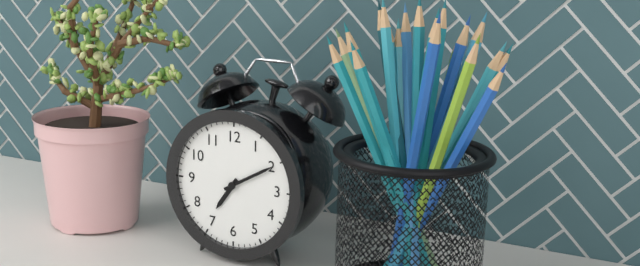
7:10
